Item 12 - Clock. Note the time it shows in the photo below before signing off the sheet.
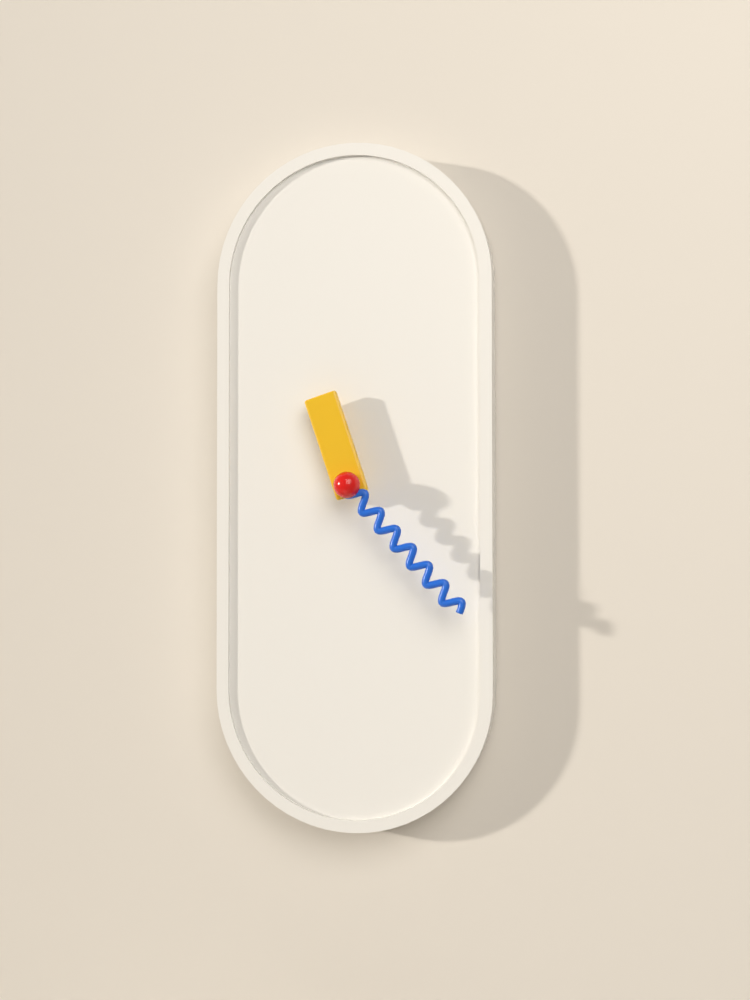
11:23
